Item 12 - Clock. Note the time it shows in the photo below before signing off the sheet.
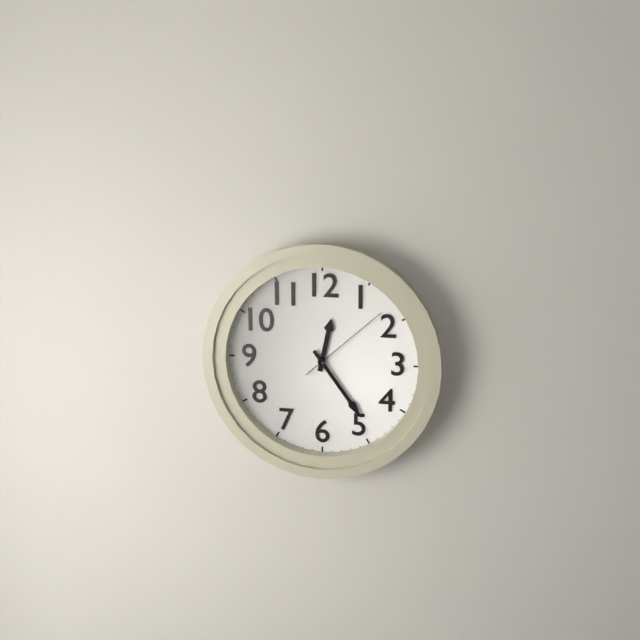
12:24:08
